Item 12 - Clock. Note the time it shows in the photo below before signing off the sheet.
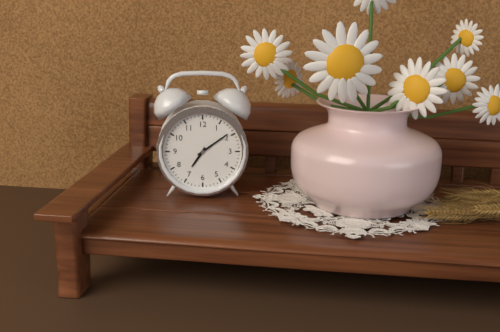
7:09
